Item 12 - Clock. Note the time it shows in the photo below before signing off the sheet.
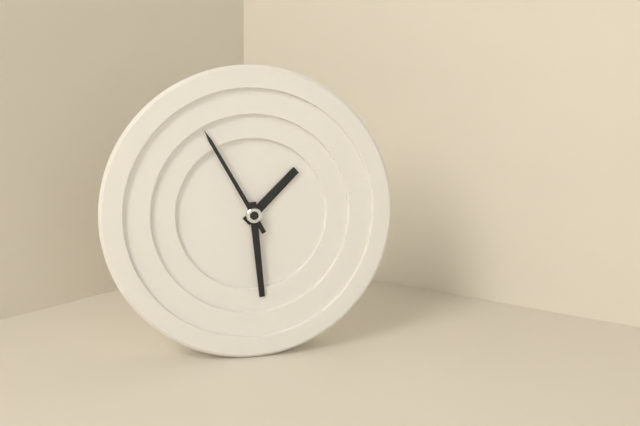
1:29:55
